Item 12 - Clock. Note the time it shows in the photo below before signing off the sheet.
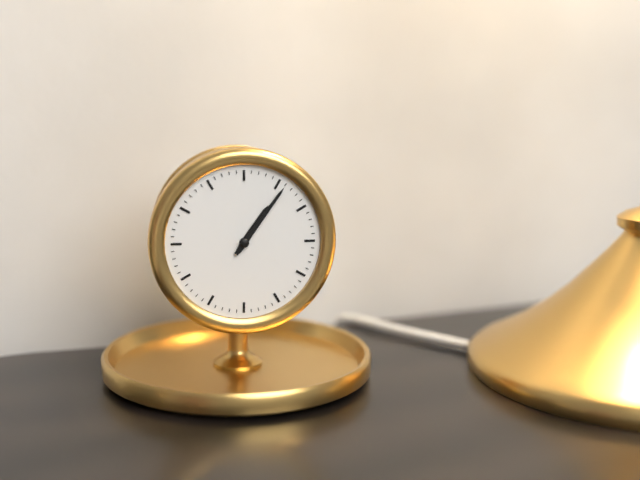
1:06
